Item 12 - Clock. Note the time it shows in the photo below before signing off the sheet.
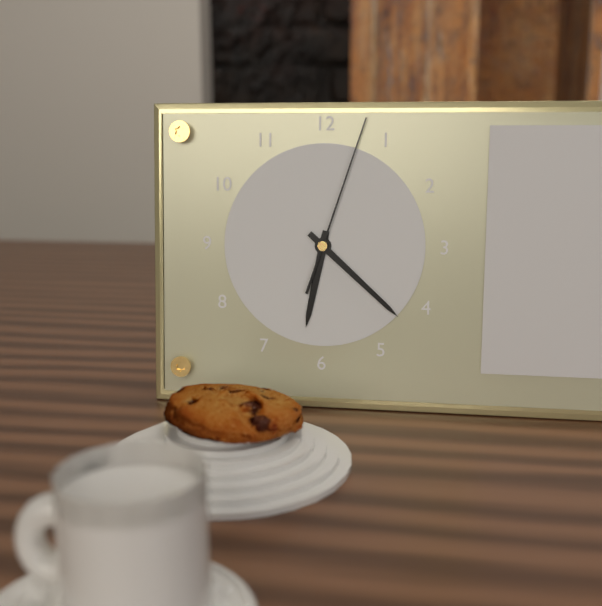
6:22:03
